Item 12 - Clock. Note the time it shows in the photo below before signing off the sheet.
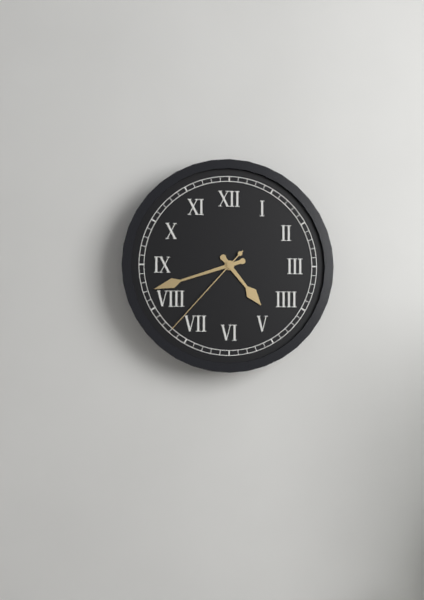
4:42:37
